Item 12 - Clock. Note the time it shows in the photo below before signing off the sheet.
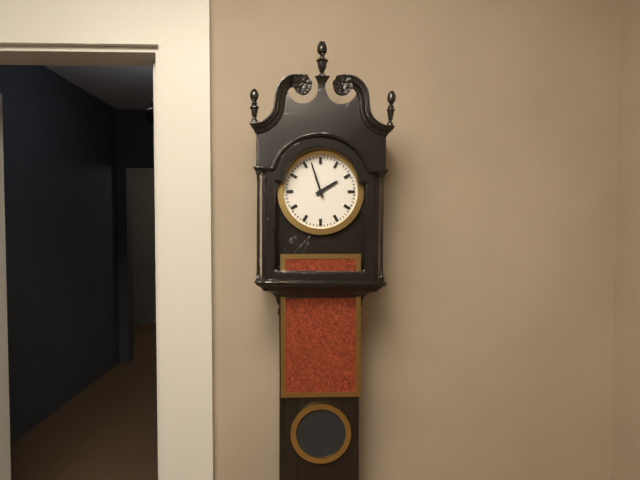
1:57
